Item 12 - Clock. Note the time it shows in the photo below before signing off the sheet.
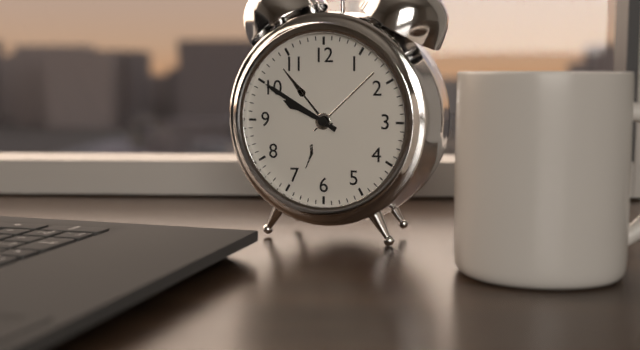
9:50
